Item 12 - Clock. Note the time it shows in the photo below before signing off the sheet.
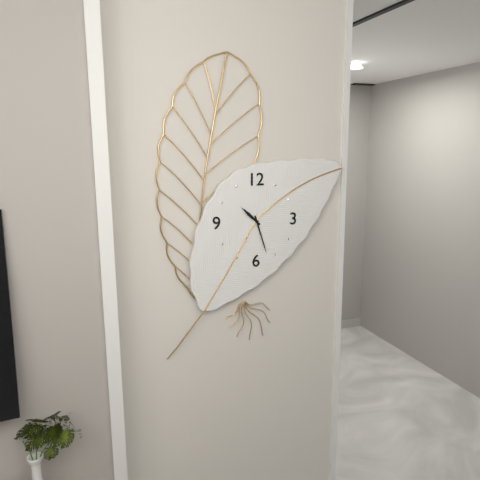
10:27
